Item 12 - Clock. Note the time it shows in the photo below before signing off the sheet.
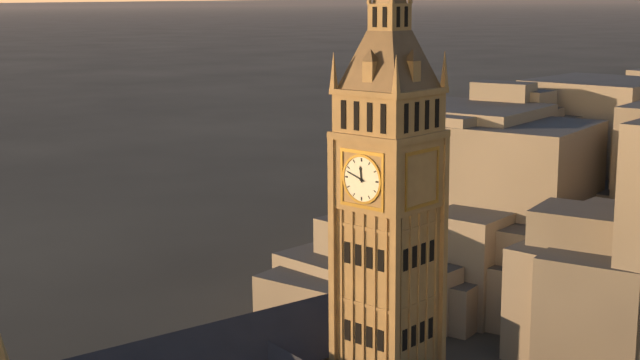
11:48
